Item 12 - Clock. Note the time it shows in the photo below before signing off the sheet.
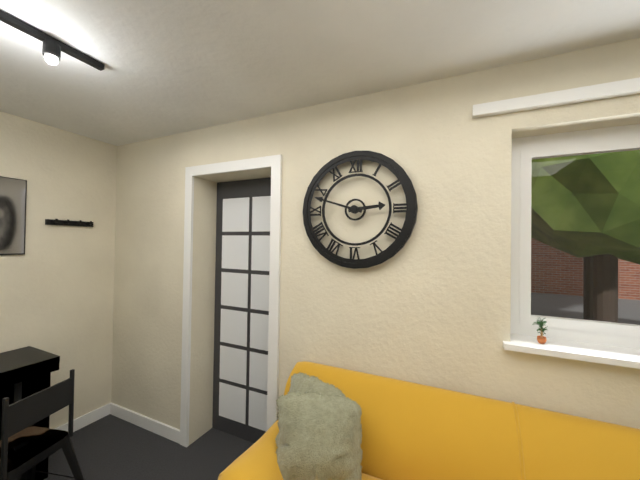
2:48
